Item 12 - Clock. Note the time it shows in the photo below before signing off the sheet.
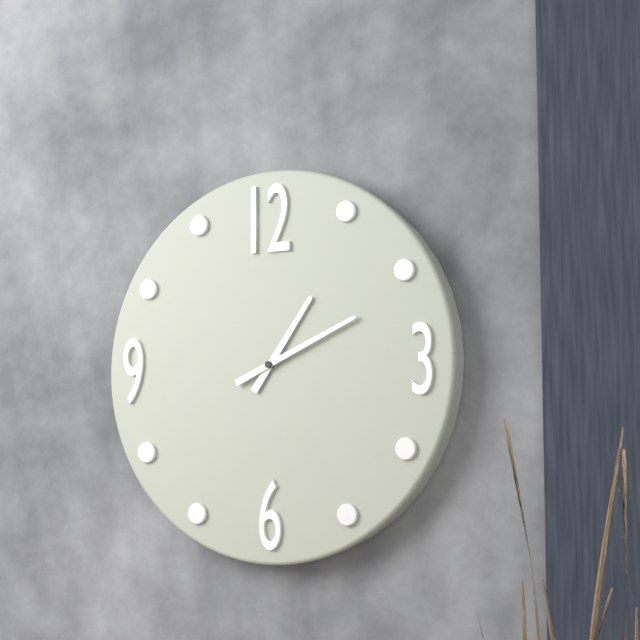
1:11
